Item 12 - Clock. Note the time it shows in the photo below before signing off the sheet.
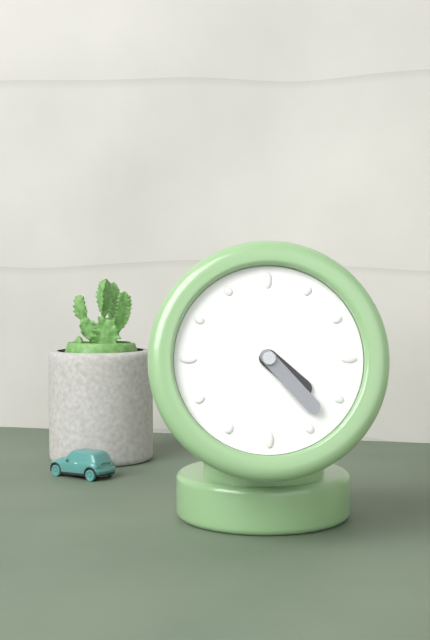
4:23
